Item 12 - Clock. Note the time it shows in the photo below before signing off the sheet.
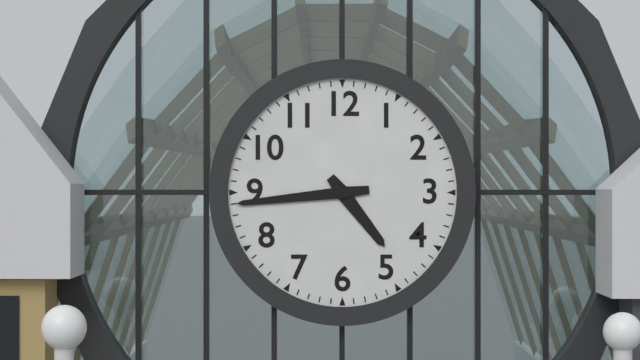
4:44
